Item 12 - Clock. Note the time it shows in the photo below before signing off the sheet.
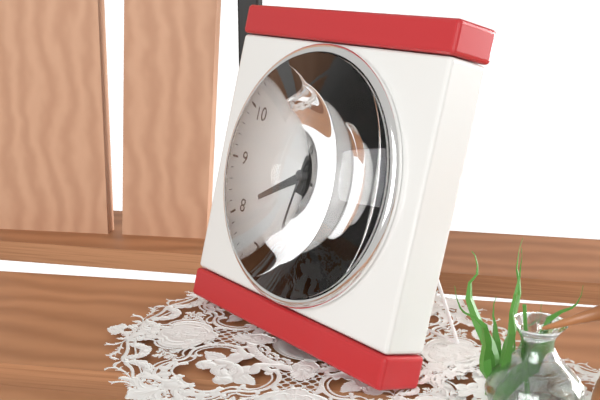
8:01:32
